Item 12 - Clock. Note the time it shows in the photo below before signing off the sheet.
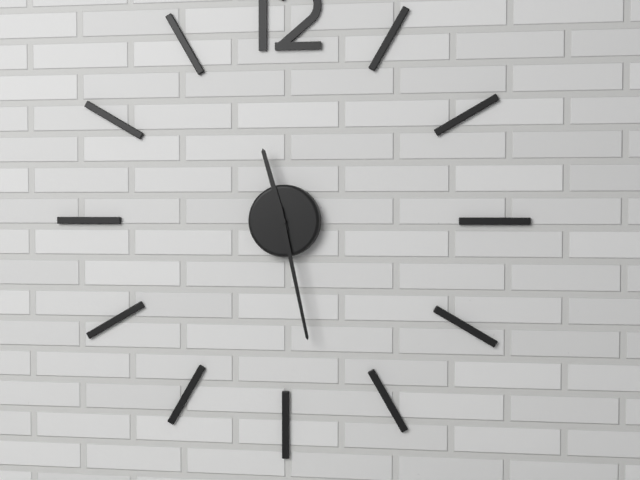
11:28
